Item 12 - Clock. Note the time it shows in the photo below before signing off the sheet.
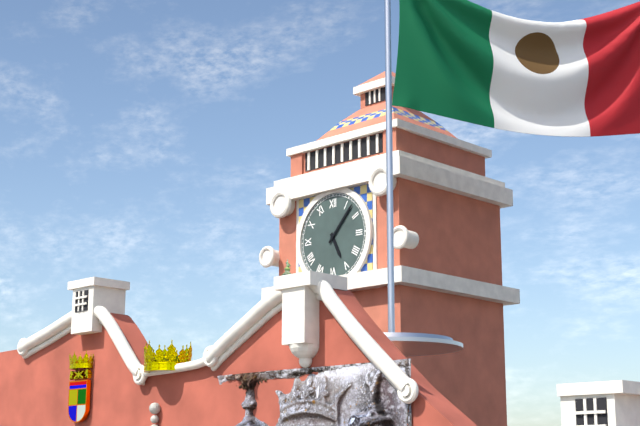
5:07
